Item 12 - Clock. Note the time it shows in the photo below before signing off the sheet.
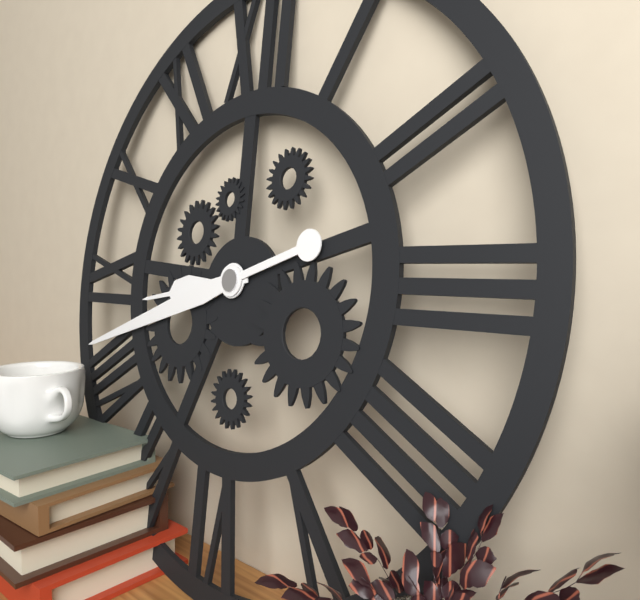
8:42
